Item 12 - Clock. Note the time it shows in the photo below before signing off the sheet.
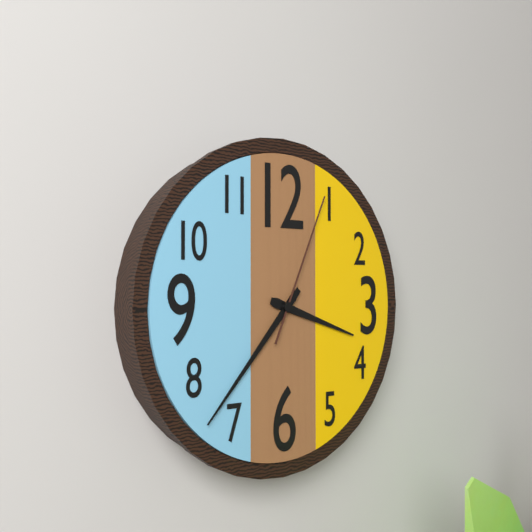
3:37:04
